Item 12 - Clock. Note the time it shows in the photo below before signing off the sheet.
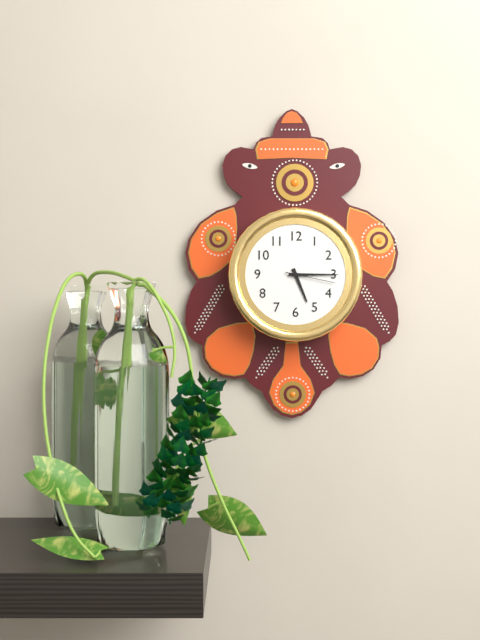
5:15:17
